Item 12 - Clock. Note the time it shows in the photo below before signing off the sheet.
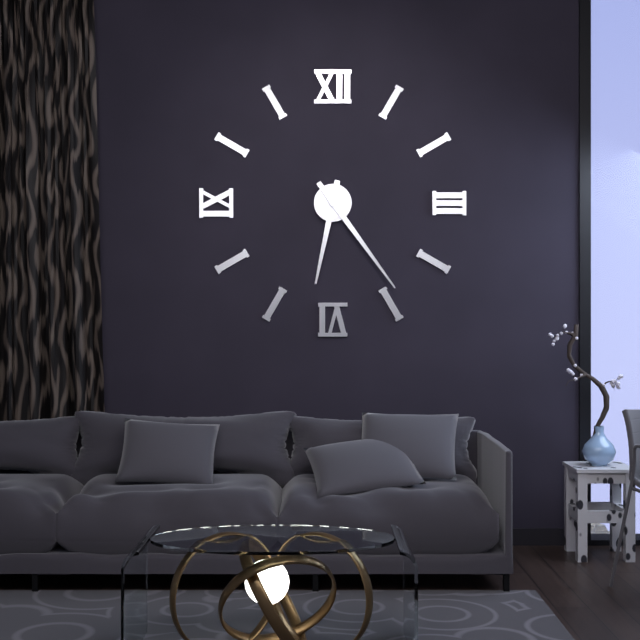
6:24
